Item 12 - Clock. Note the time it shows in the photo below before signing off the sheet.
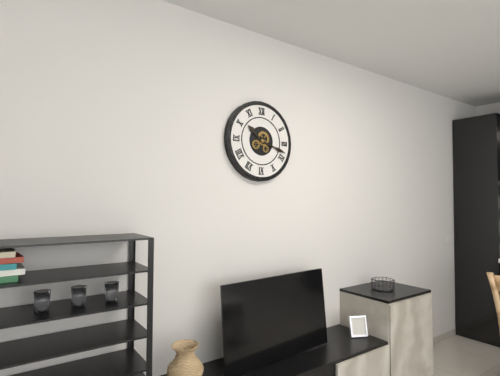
10:18
